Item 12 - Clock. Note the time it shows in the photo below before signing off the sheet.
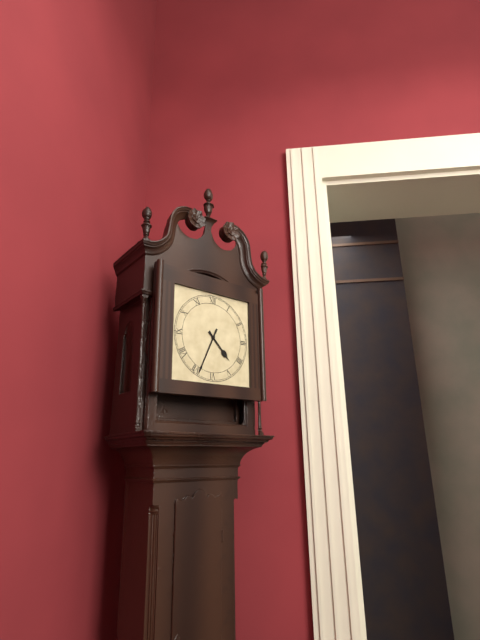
4:34
